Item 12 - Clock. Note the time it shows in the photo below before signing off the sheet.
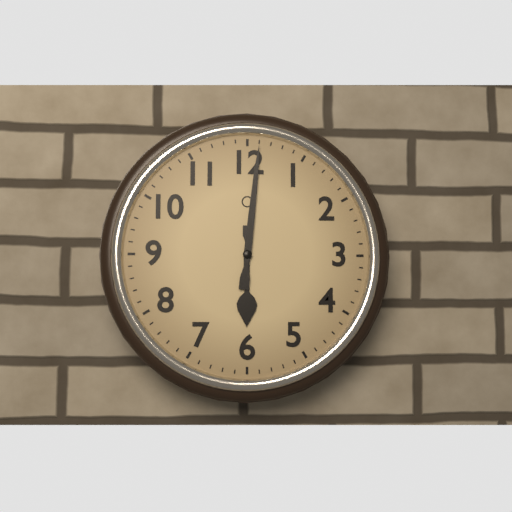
6:01
